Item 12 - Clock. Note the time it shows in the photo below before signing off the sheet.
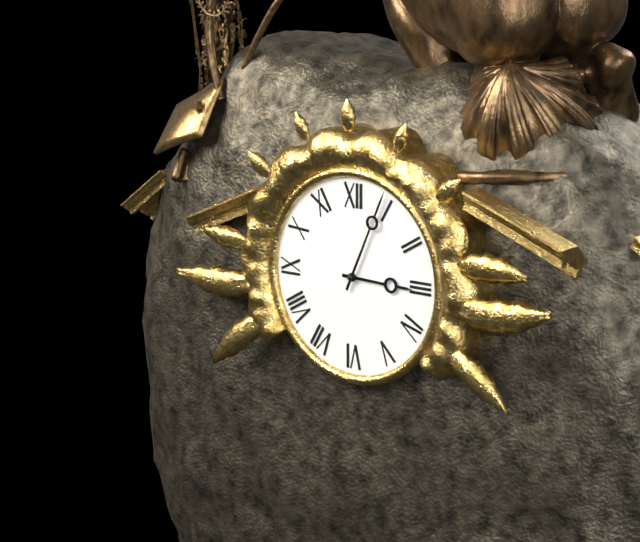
3:04
